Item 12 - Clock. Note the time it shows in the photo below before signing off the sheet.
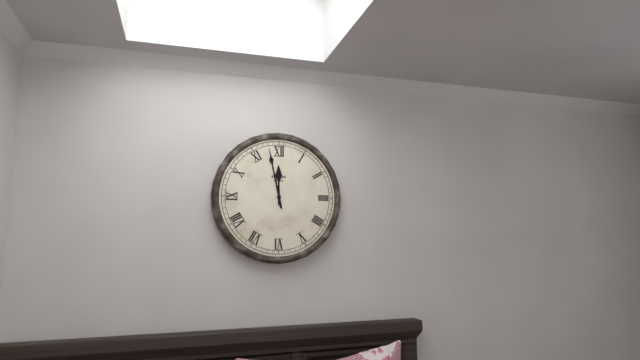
11:58
